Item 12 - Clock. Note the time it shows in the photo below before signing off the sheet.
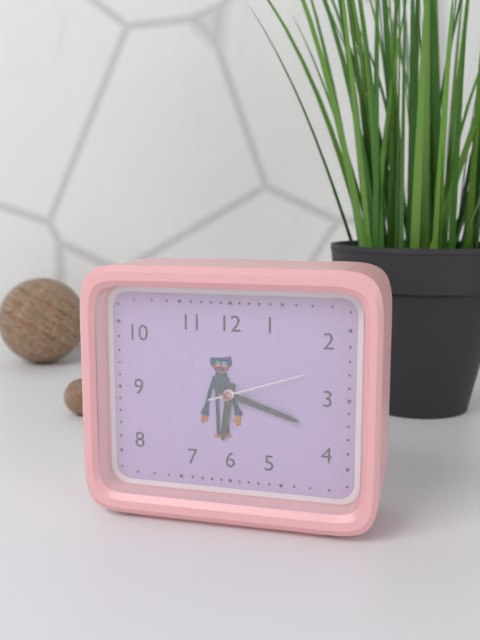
6:18:12
